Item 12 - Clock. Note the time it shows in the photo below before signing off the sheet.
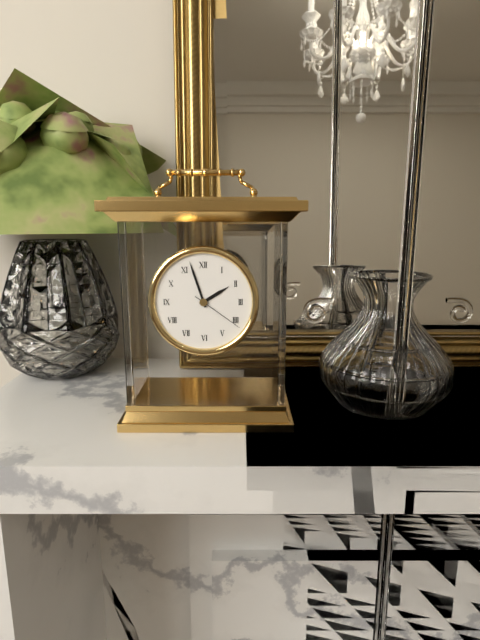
1:57:21
